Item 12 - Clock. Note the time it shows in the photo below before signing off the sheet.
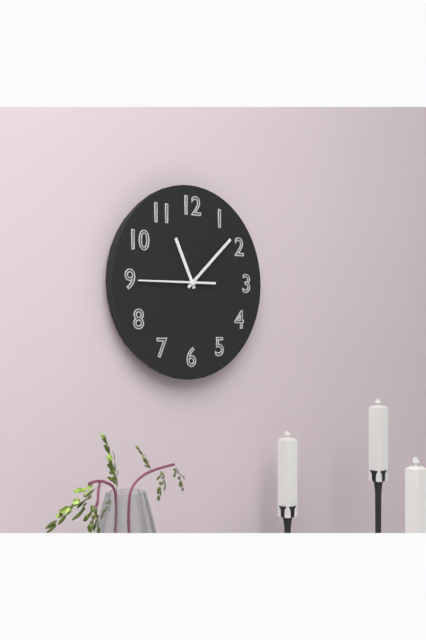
11:08:45
